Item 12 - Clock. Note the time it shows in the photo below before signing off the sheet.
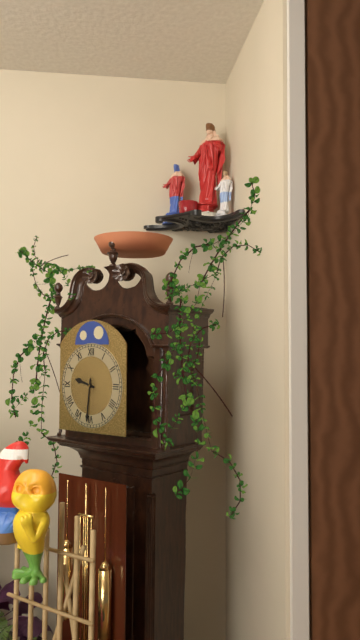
9:31
